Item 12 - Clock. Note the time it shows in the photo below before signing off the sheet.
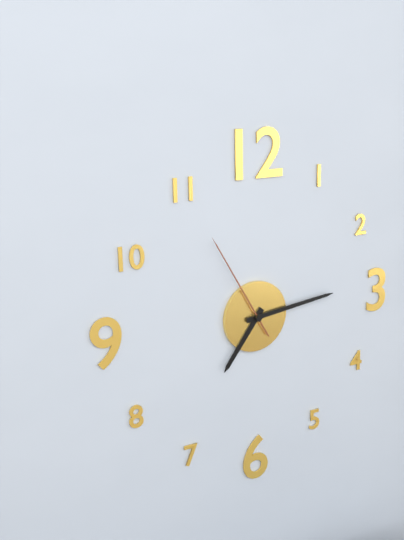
7:14:55
